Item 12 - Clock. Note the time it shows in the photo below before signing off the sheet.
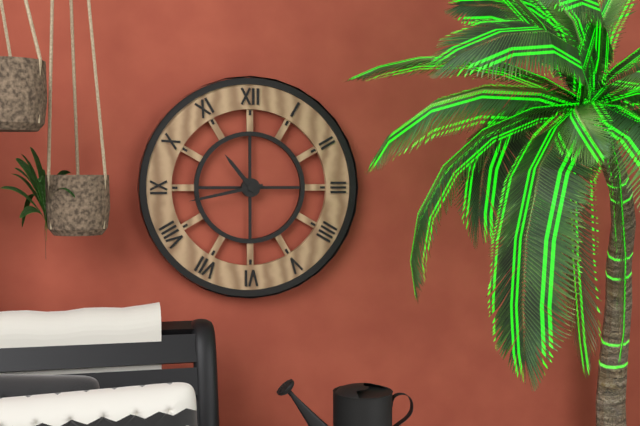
10:43
